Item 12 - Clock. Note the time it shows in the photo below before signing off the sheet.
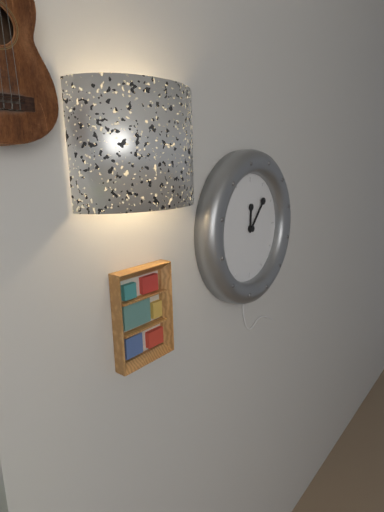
12:07
